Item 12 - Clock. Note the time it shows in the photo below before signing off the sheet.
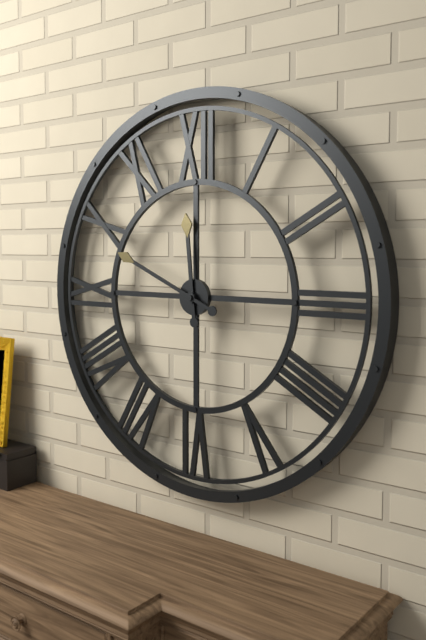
11:49
